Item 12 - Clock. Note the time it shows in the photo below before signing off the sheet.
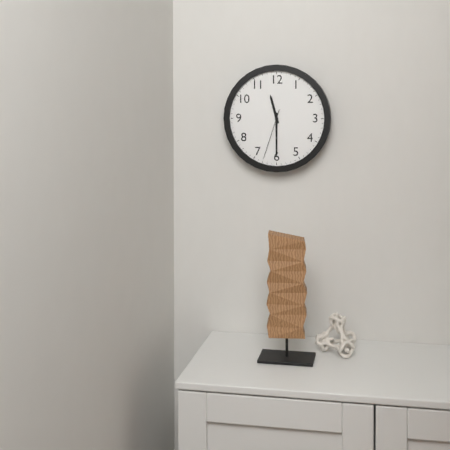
11:30:33
